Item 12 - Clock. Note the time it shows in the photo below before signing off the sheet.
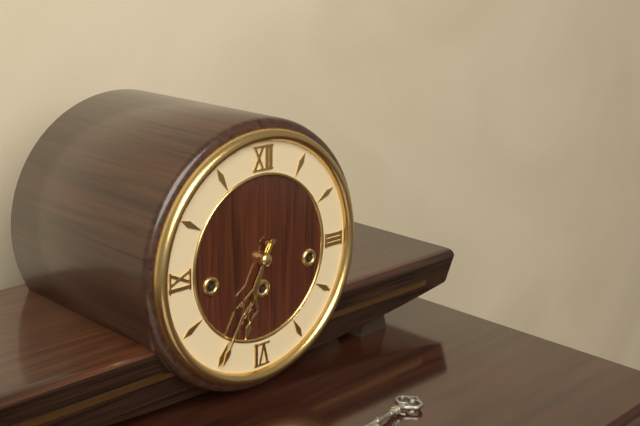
6:35
